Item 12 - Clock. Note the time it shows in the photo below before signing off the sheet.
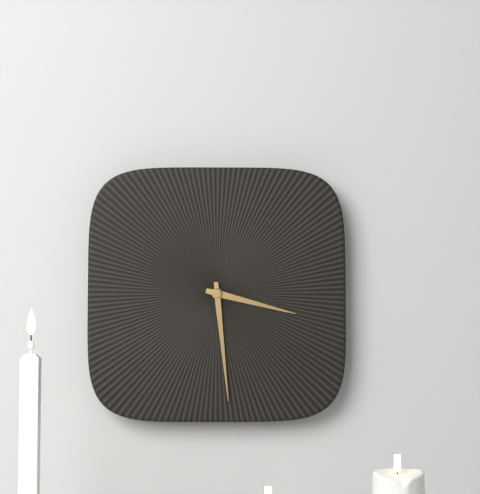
3:29
